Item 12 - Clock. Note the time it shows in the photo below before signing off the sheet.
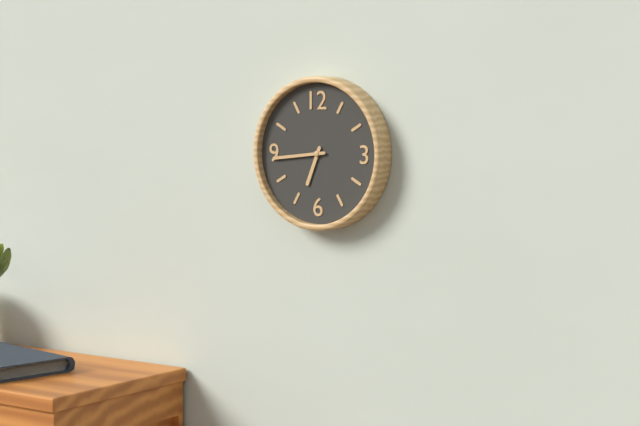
6:44
